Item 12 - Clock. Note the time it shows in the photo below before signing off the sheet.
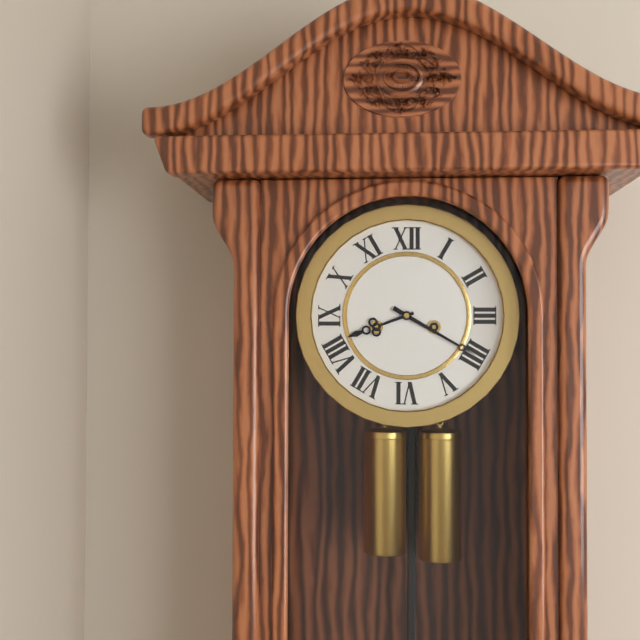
8:20
